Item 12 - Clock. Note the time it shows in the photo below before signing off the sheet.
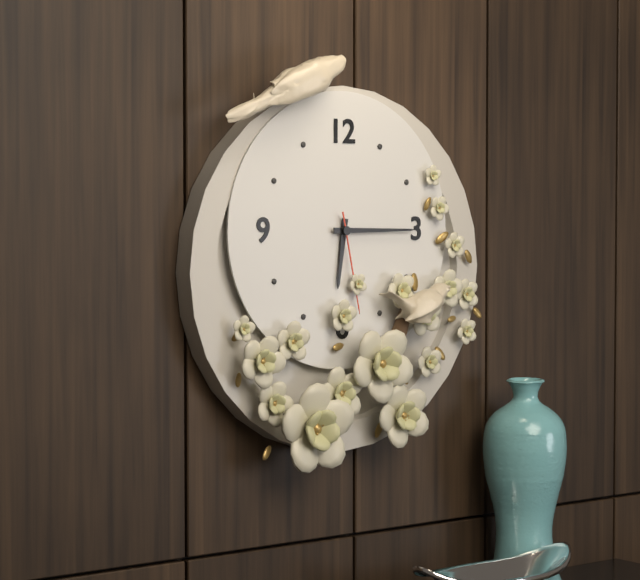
6:15:28
